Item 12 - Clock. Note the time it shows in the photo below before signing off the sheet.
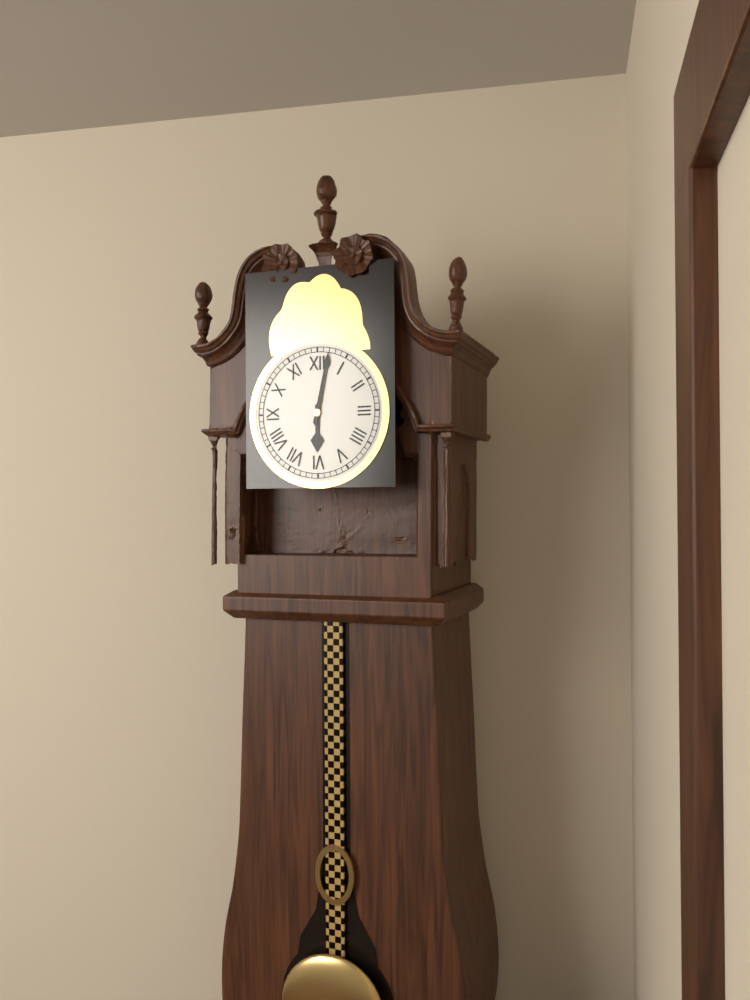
6:02
